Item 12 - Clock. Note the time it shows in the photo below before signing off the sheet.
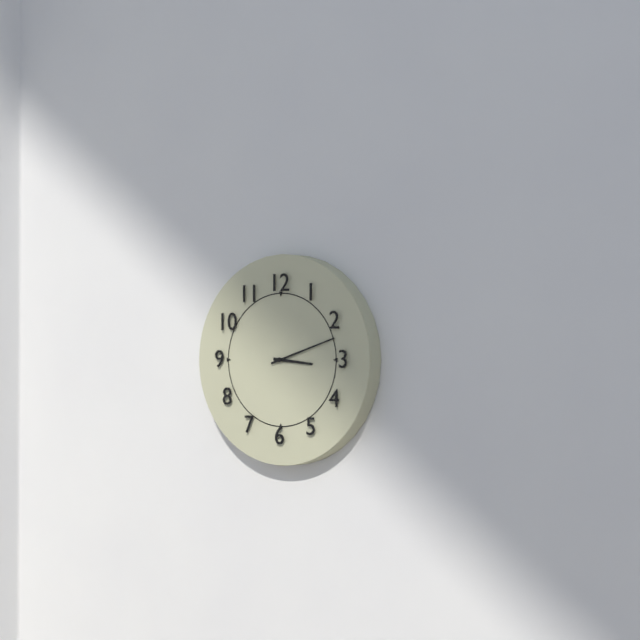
3:12
